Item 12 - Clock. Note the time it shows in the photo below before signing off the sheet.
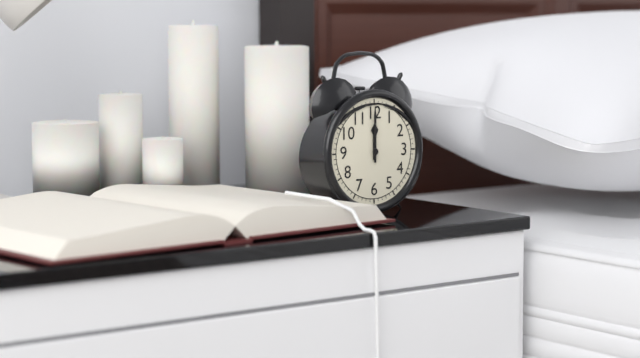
12:00
